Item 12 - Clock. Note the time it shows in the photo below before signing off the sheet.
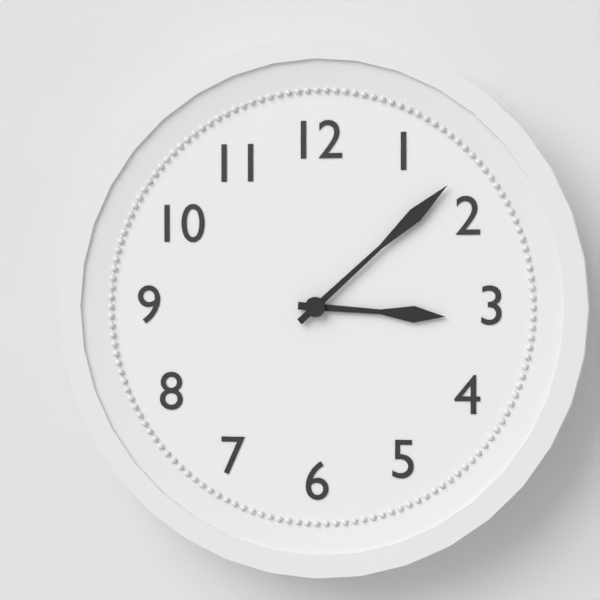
3:08
